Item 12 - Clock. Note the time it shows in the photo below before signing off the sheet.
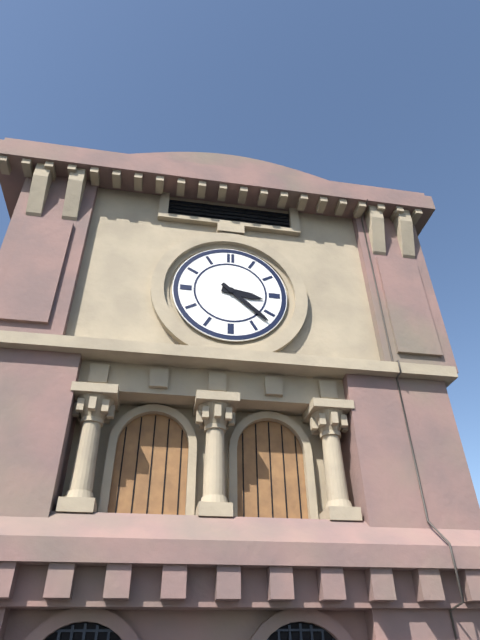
3:22
